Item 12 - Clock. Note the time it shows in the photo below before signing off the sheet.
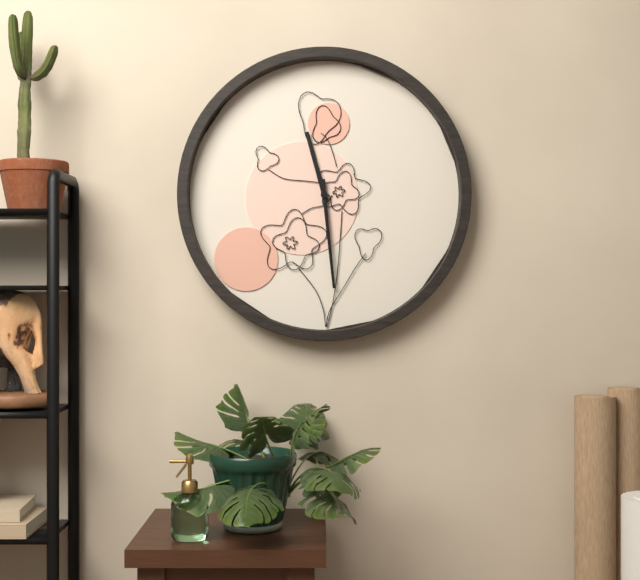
11:29
